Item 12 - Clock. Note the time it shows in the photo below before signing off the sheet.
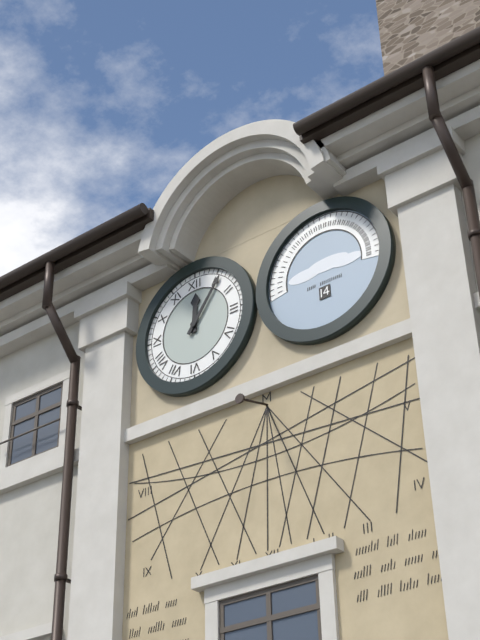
12:06
